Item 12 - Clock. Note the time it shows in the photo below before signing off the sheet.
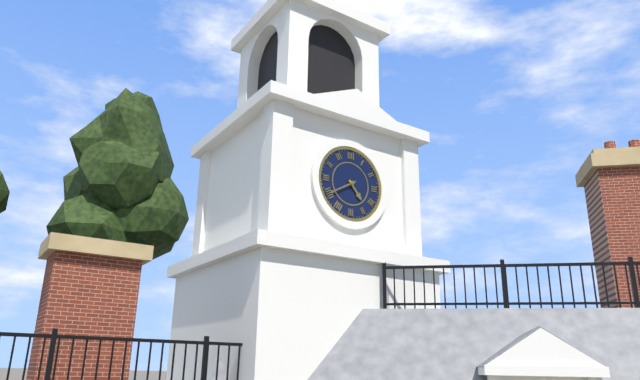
4:40
